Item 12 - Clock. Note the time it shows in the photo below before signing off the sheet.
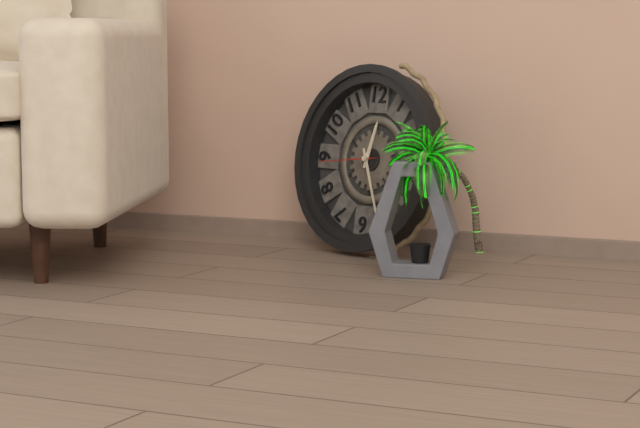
12:26:44
